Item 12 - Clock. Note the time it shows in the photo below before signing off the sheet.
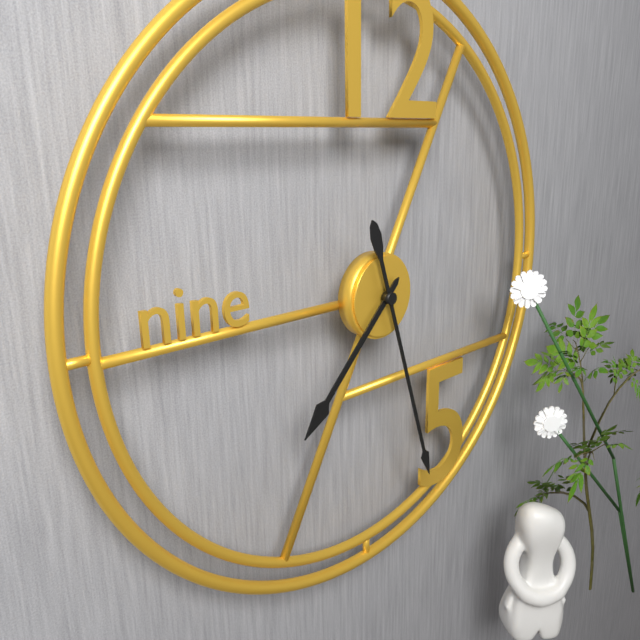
7:27
